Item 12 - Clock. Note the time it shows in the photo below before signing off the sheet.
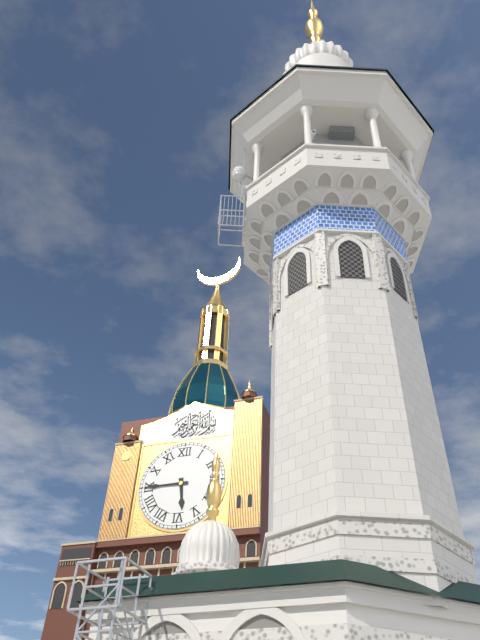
5:45
